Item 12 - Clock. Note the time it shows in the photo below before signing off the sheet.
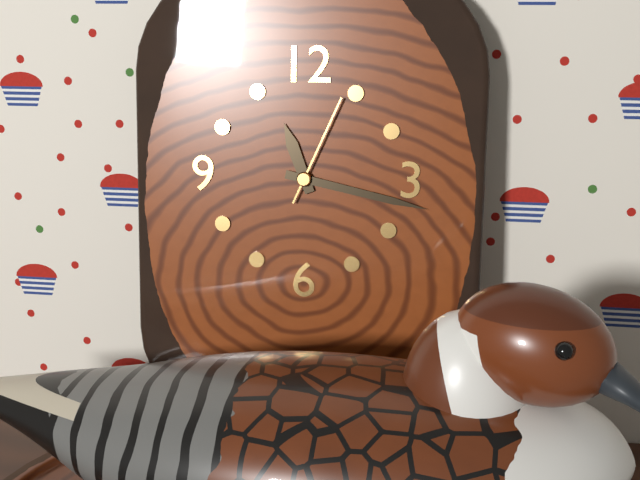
11:17:04
